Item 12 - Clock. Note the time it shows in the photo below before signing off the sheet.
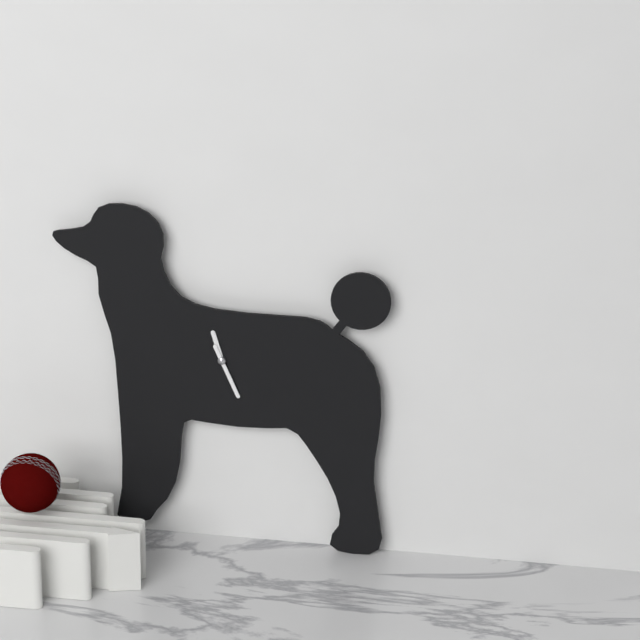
11:26
